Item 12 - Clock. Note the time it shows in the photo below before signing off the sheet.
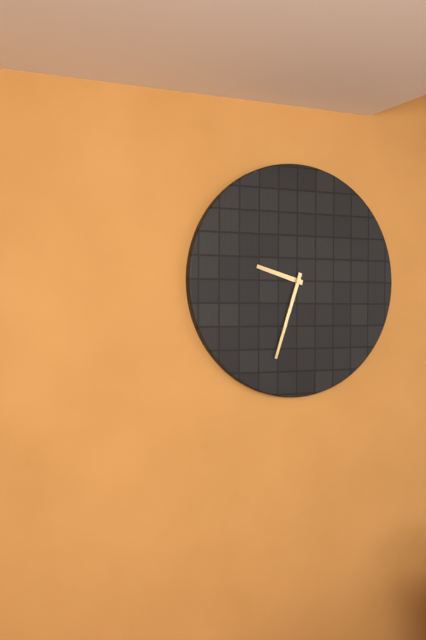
9:33
